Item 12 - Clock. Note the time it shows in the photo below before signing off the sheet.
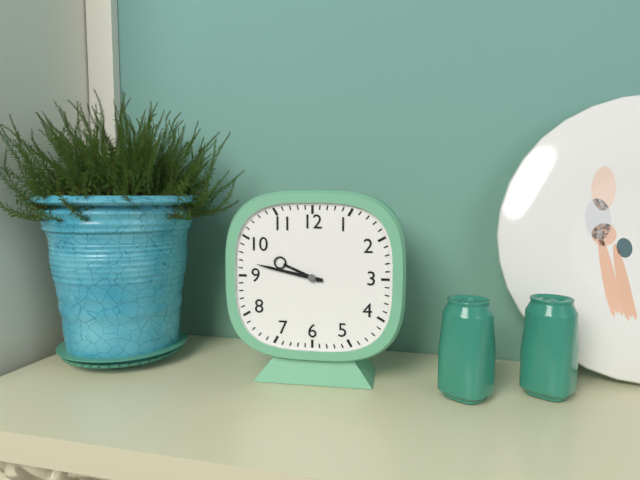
9:47
